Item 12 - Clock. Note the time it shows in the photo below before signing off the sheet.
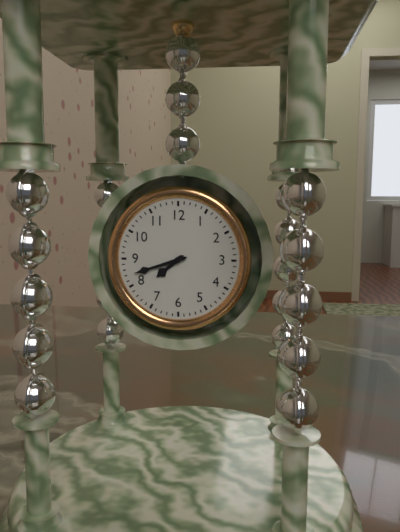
7:42
